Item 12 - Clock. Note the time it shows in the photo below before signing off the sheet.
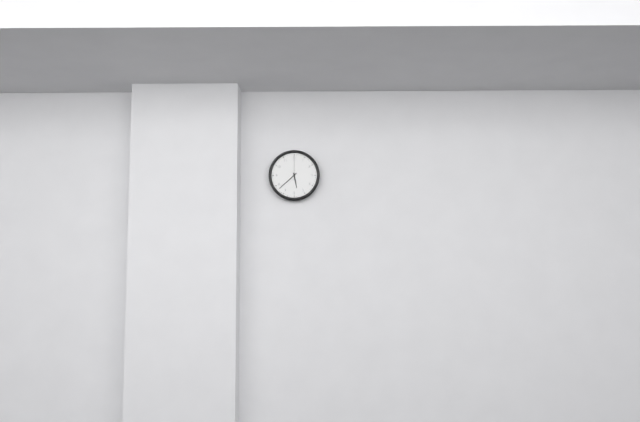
5:38
